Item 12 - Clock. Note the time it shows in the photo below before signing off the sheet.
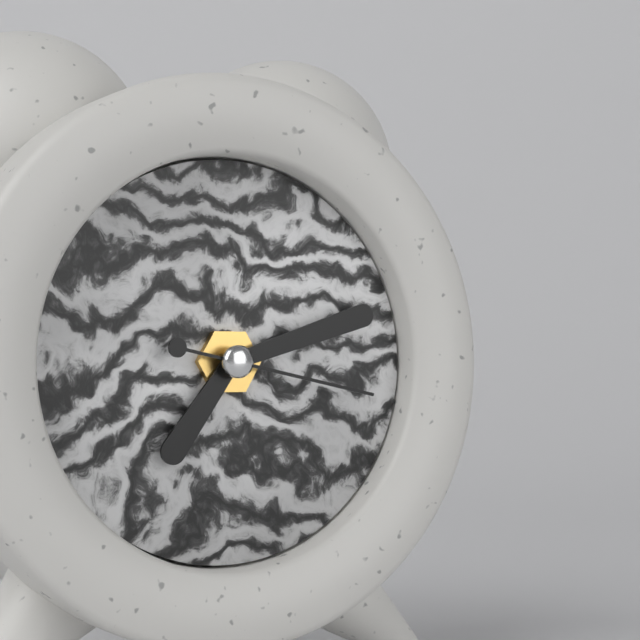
7:12:17
